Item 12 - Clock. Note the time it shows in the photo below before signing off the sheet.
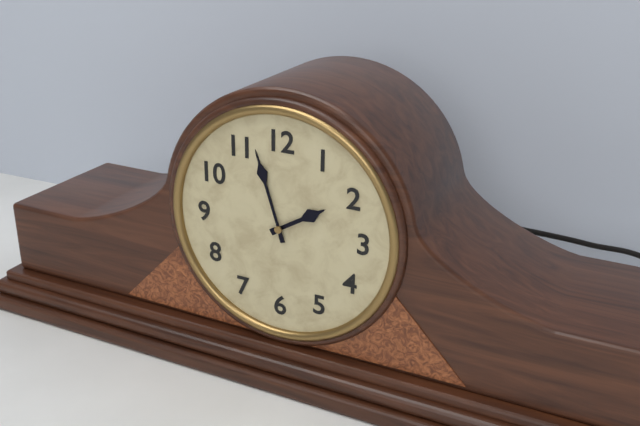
1:57
